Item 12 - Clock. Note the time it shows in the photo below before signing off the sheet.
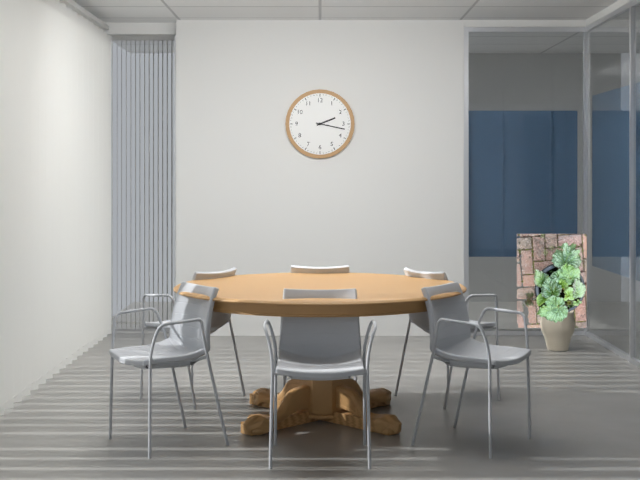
2:17
